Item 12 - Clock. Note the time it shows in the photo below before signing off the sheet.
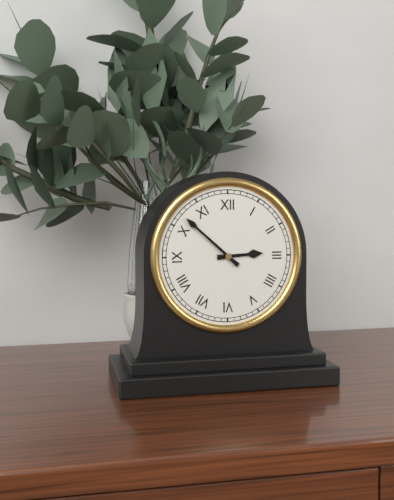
2:52
